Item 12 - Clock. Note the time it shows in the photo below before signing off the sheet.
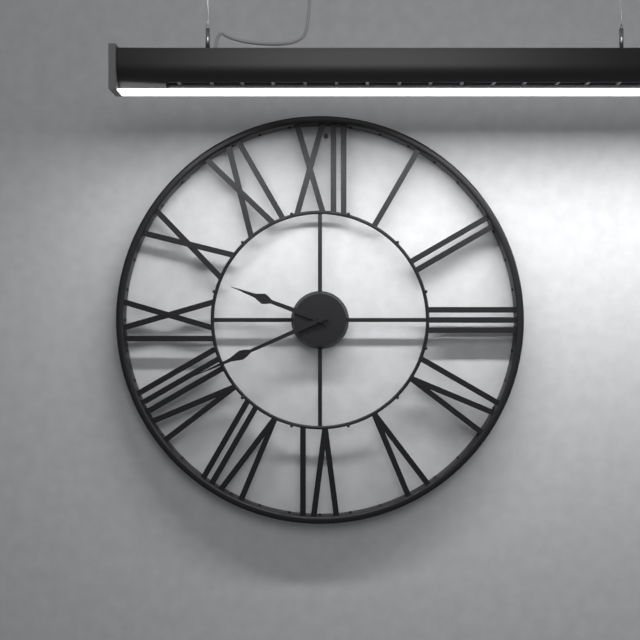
9:41
